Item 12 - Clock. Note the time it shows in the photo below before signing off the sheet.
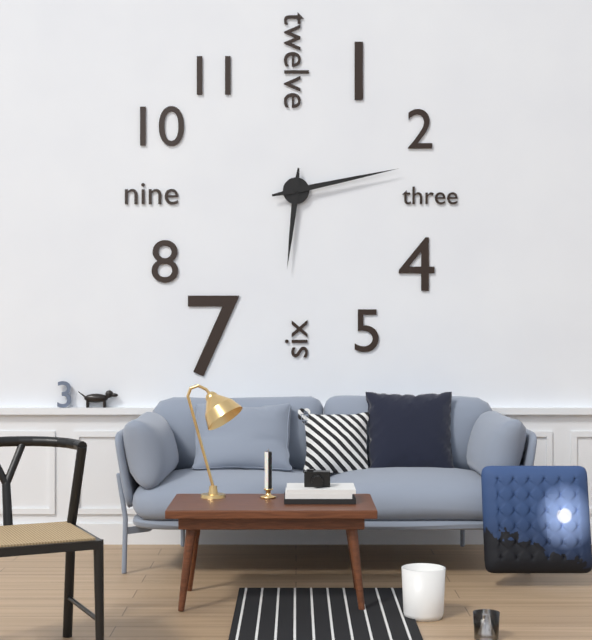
6:13
